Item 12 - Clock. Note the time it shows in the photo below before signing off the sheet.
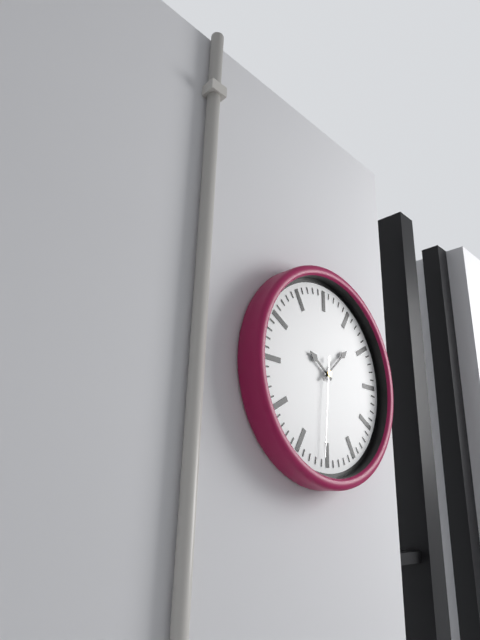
10:08:31
